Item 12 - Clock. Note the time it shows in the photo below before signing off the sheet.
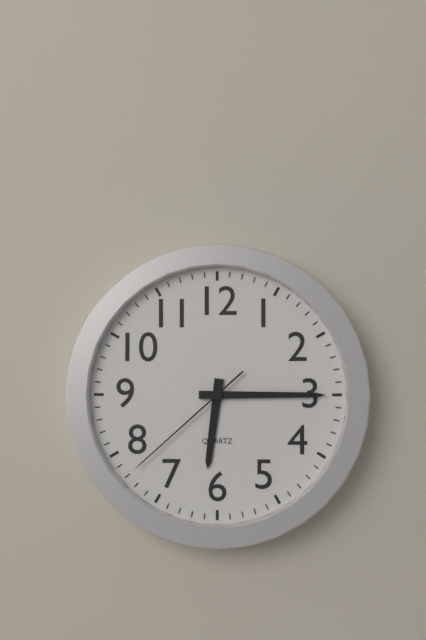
6:15:38
